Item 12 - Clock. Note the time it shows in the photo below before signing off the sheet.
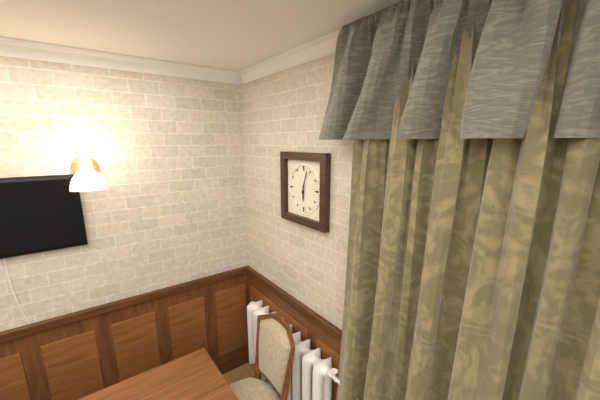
6:03
